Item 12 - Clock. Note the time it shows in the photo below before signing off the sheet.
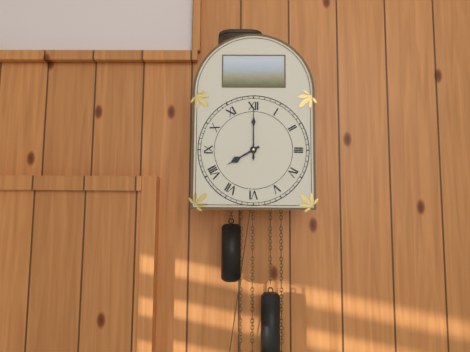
8:00
